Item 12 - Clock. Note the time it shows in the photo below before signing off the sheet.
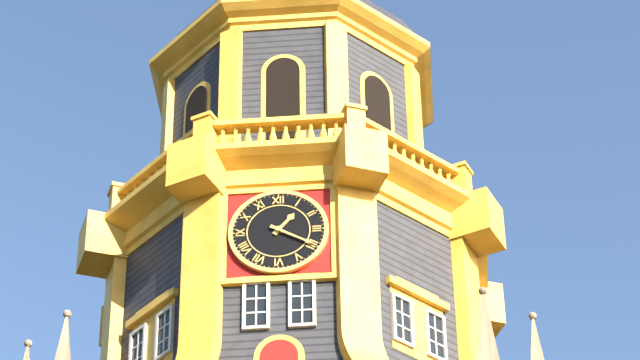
1:20
